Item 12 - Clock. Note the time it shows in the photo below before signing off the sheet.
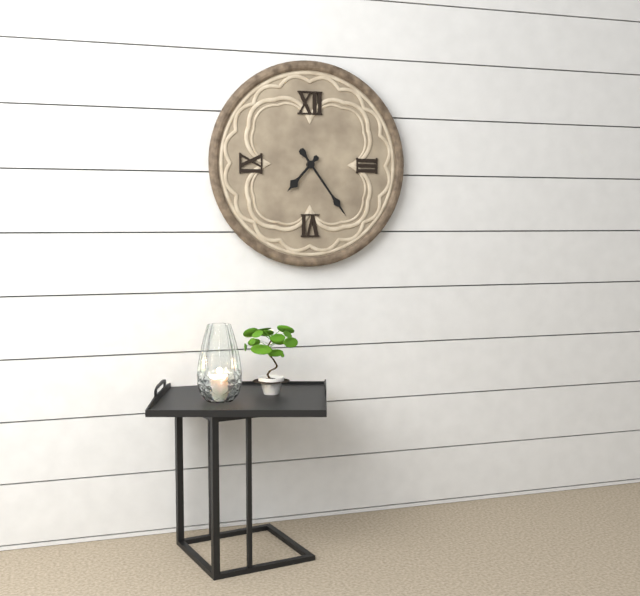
7:24
